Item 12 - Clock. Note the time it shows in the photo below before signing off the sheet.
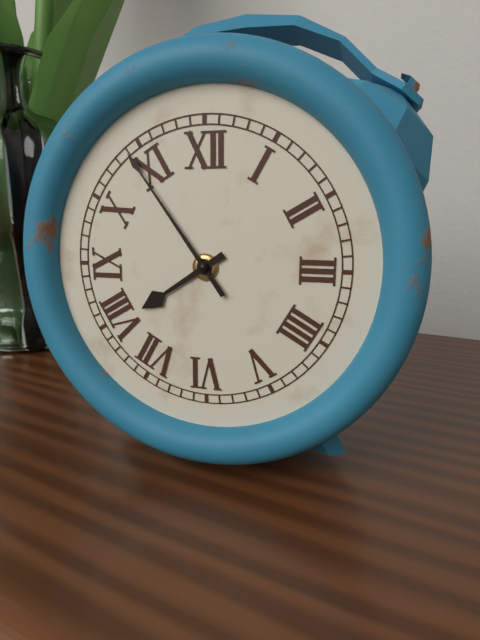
7:54
